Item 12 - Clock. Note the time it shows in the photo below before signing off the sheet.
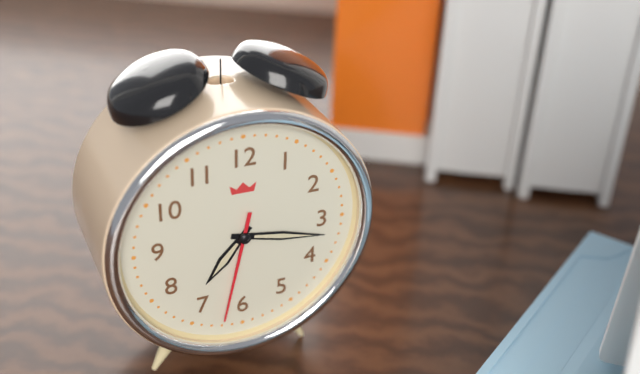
7:17:32
